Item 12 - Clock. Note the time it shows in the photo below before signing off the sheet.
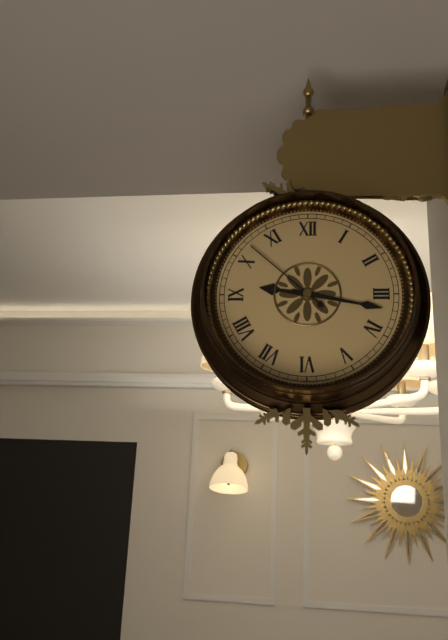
9:17:52
